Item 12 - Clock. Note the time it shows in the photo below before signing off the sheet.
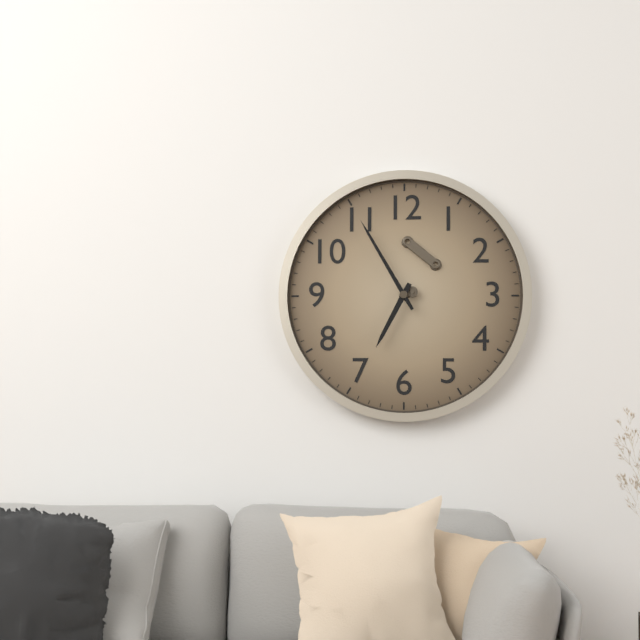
6:55
